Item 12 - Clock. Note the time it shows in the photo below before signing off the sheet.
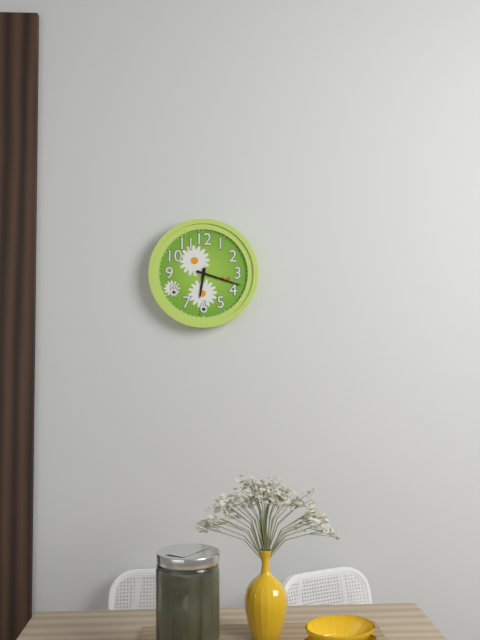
6:18
